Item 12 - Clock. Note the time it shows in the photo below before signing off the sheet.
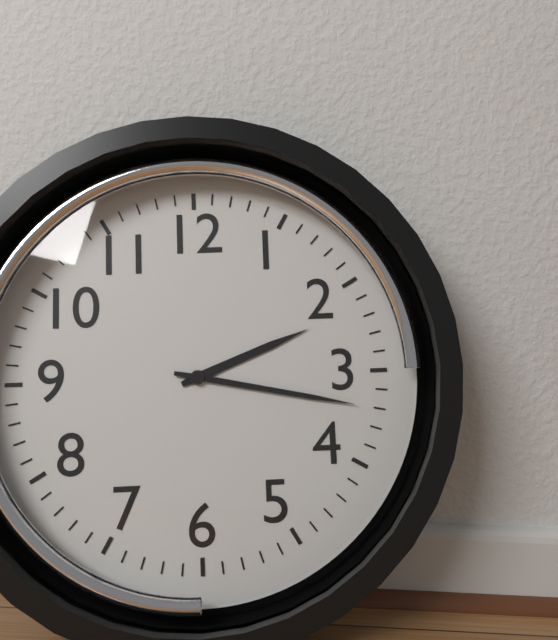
2:17
